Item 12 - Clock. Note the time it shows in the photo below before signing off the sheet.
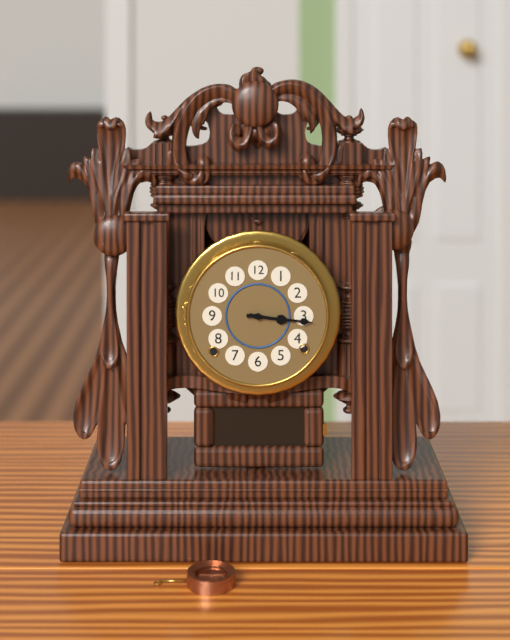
3:16
